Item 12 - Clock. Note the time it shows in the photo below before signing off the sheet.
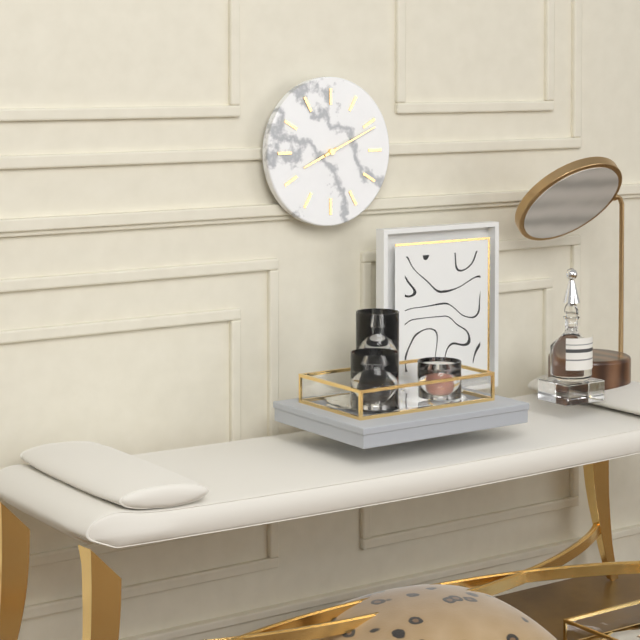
8:11
